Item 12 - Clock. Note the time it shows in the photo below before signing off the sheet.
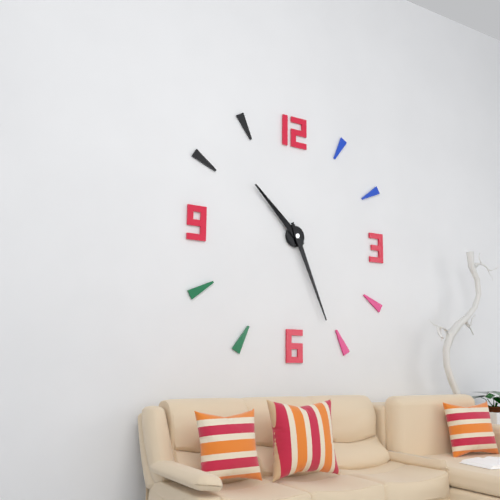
10:26
